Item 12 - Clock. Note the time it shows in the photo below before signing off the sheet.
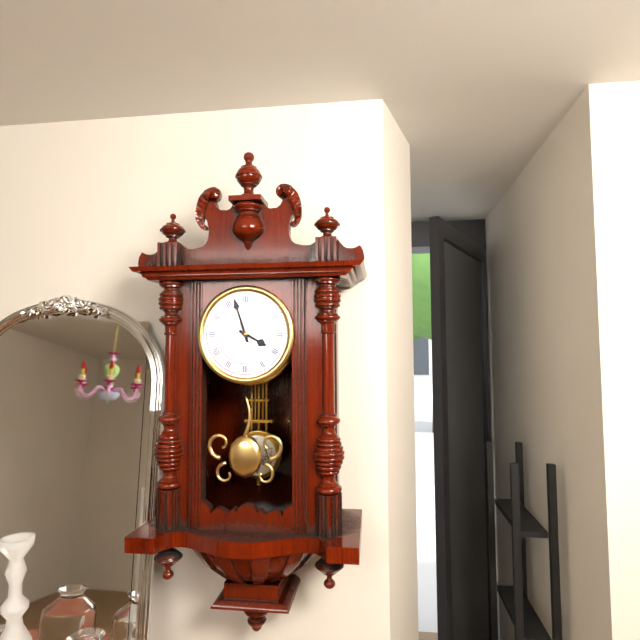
3:57
